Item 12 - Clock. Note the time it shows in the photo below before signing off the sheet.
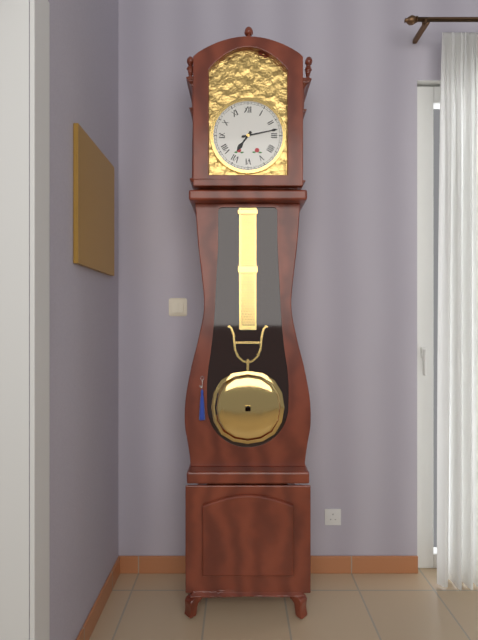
7:13
